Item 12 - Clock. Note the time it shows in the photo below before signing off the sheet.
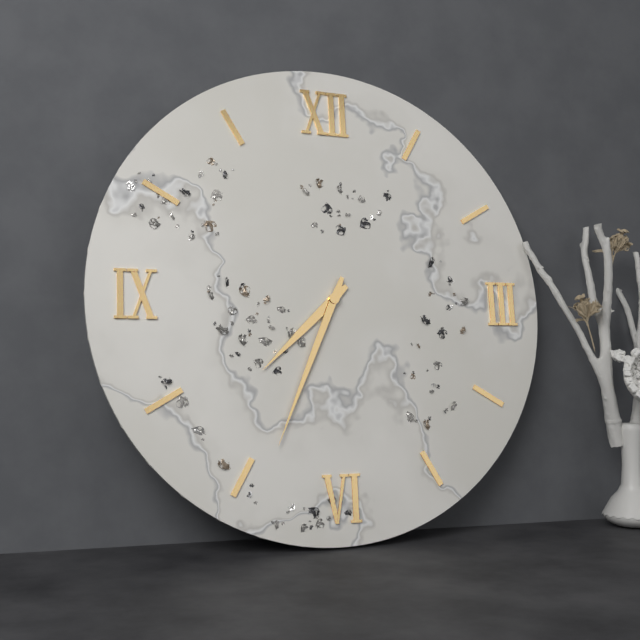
7:34
